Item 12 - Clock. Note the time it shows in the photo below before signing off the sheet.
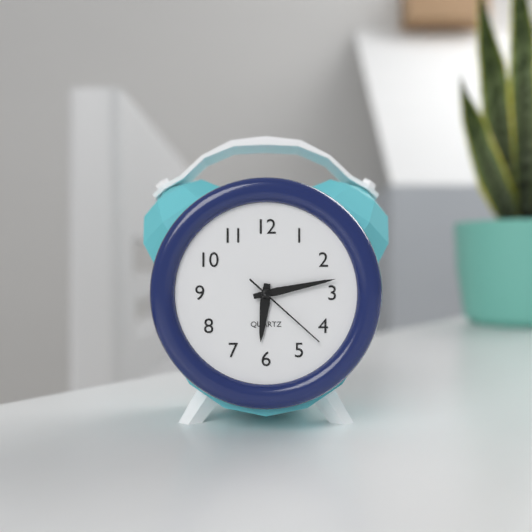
6:13:22
